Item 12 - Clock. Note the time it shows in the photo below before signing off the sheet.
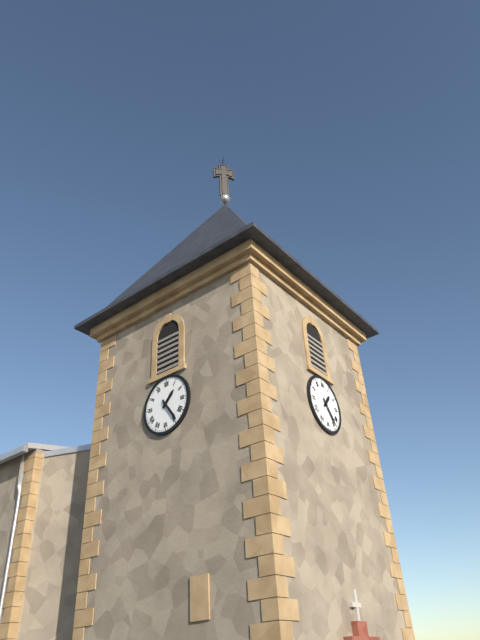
1:24
